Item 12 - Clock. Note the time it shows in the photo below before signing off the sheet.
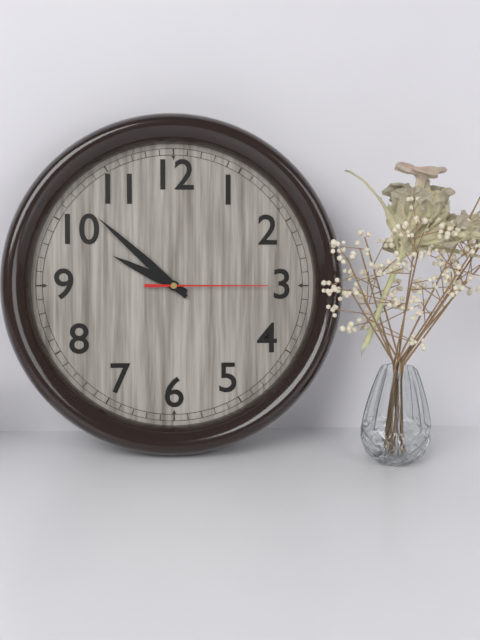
9:52:15
